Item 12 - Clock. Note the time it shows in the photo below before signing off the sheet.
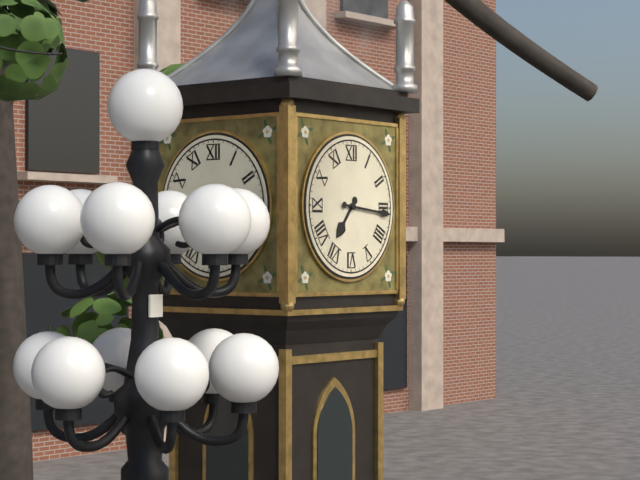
7:16
